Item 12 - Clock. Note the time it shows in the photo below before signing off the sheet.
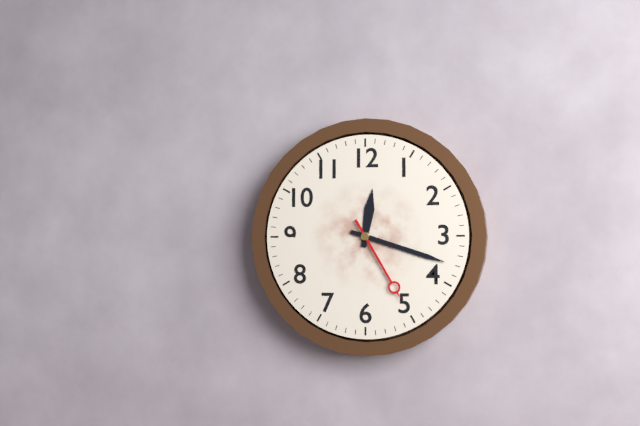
12:18:25
